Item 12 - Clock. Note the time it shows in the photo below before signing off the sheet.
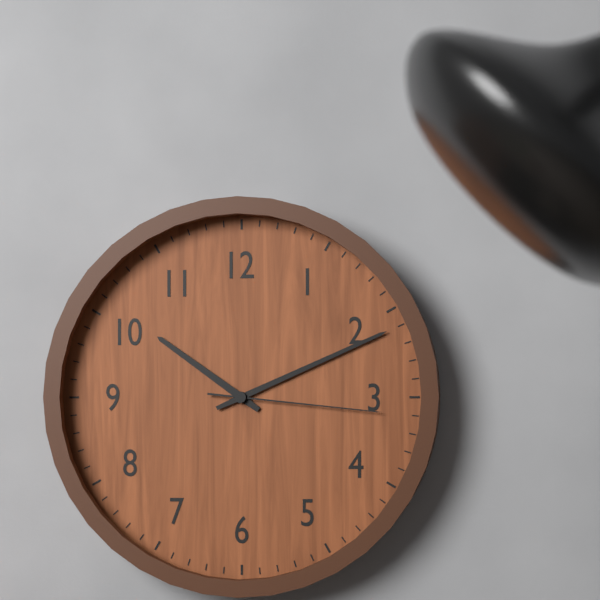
10:11:16
